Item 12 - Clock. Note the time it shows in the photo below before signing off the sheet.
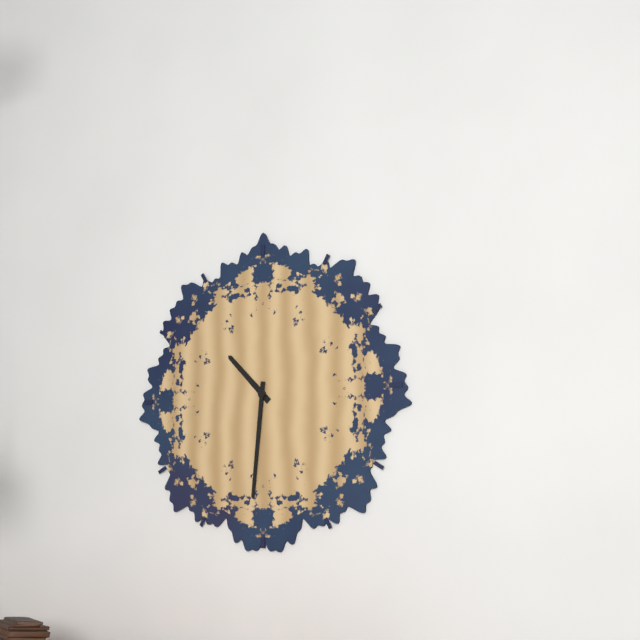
10:31
